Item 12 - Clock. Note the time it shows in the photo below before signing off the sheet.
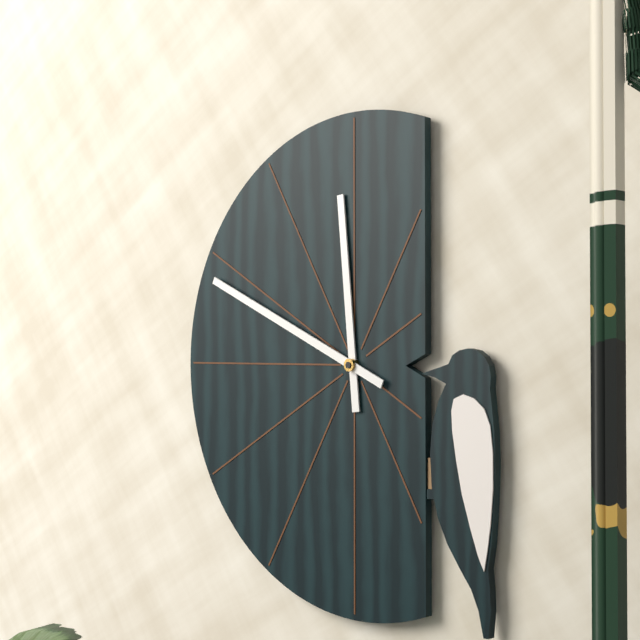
11:49
